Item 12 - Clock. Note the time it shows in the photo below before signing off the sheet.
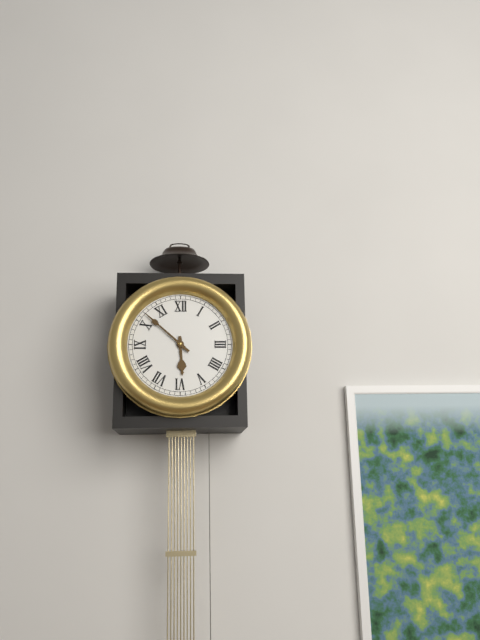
5:52
